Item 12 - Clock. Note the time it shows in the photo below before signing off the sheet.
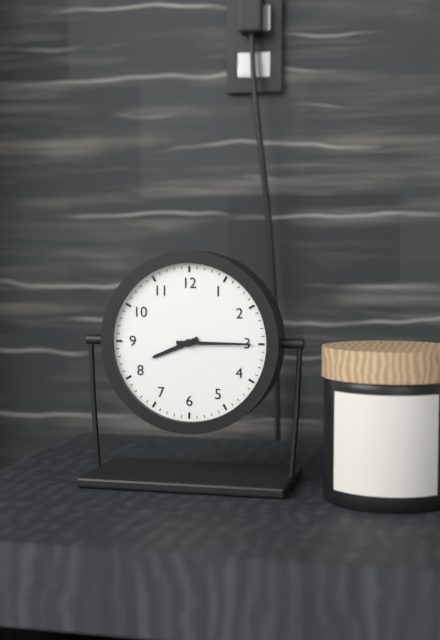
8:15
